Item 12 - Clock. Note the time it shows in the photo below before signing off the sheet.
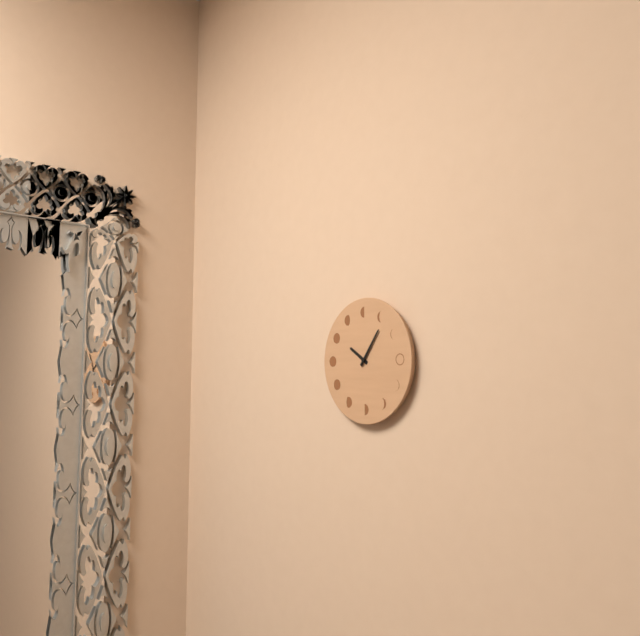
10:06
